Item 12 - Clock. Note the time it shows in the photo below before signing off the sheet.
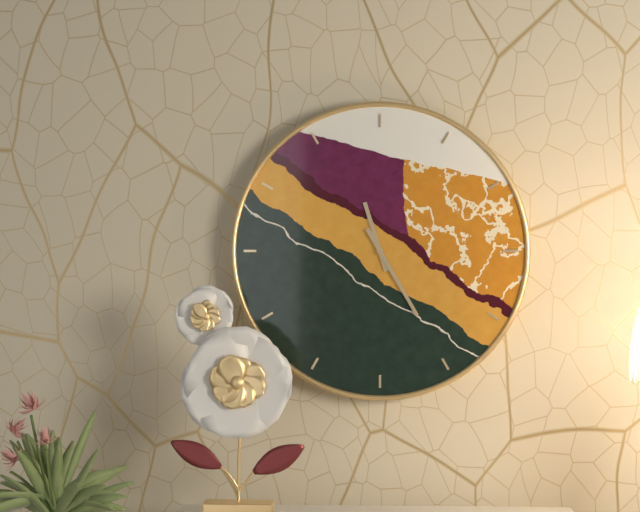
11:25
